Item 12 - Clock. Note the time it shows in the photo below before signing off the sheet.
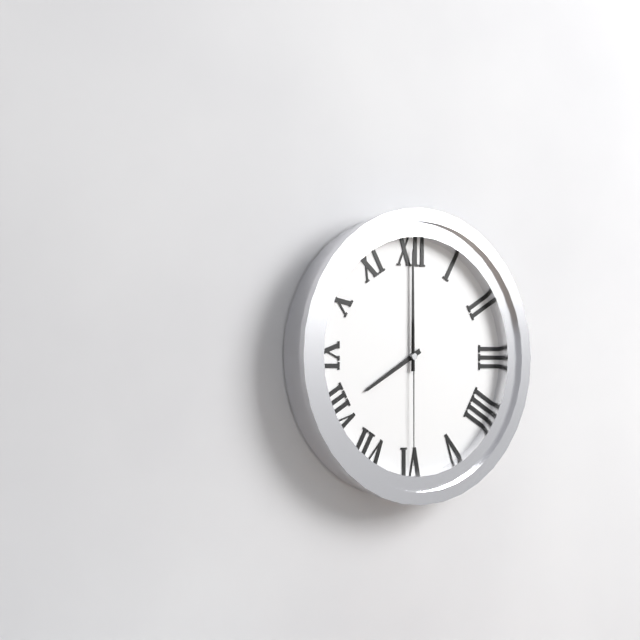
8:00:30
